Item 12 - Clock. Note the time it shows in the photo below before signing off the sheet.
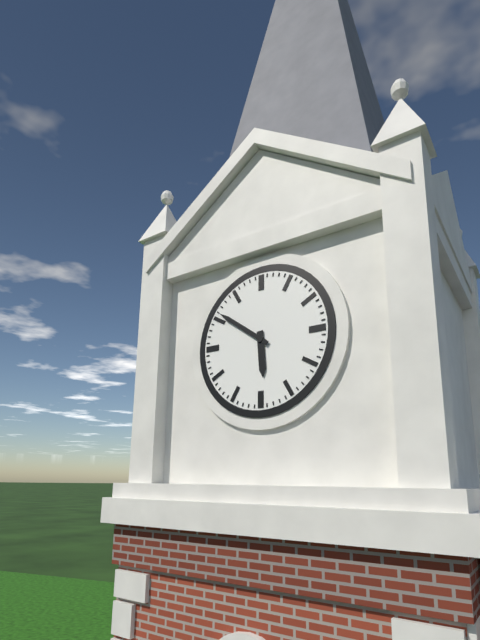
5:51
